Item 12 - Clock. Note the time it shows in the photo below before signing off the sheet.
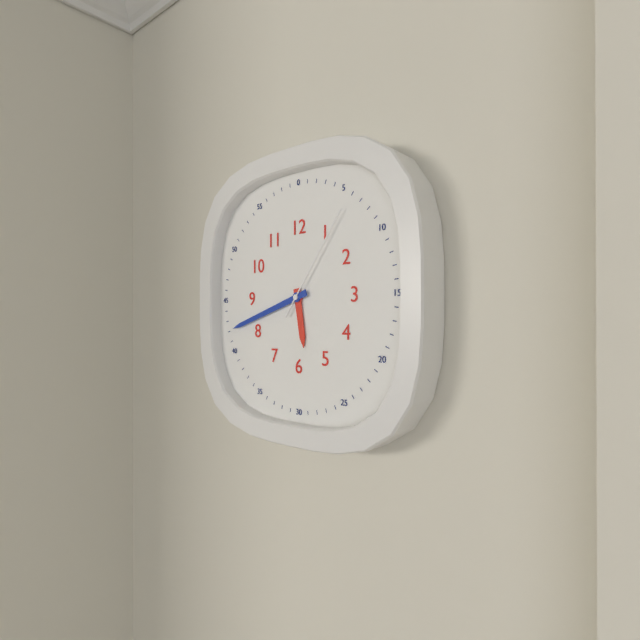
5:42:06
